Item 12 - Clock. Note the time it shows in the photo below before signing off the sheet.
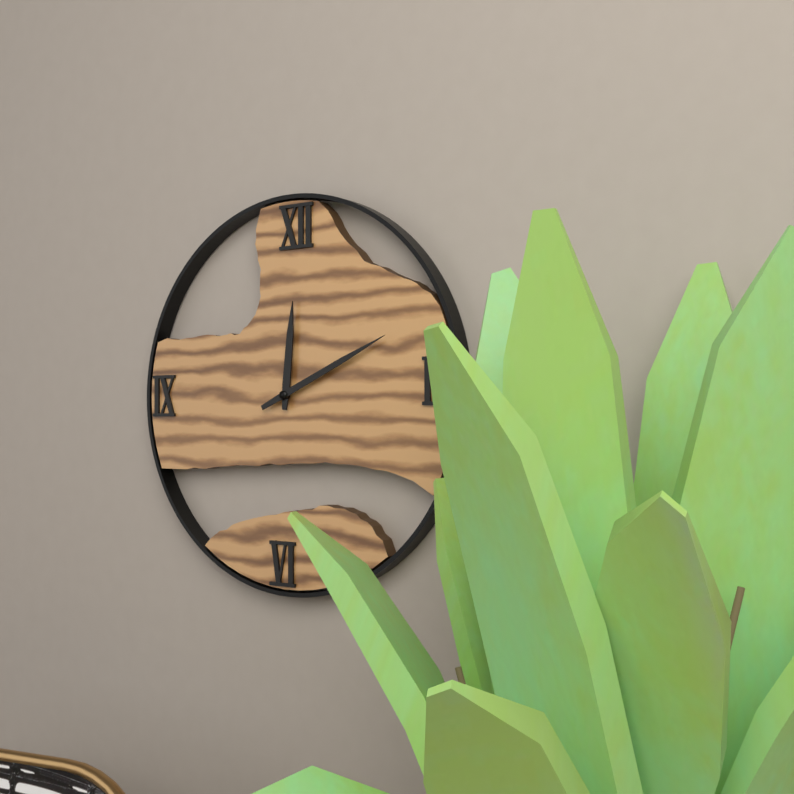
12:11
